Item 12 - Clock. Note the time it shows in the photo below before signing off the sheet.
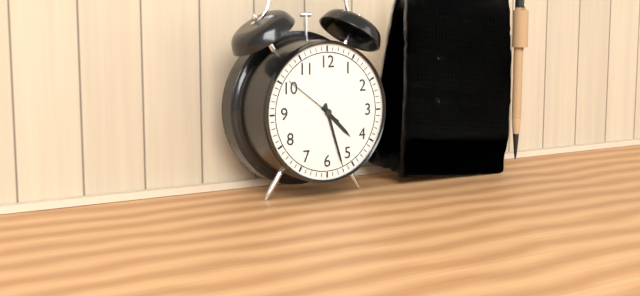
4:27:51
